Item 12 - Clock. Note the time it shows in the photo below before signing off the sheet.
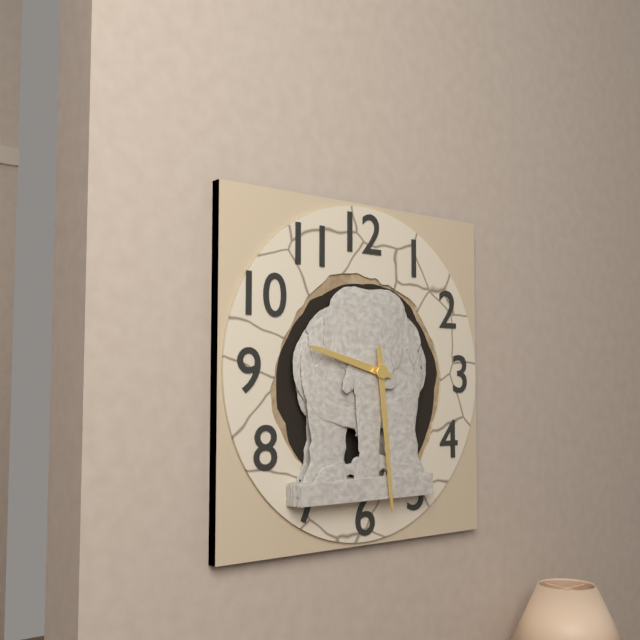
9:29
